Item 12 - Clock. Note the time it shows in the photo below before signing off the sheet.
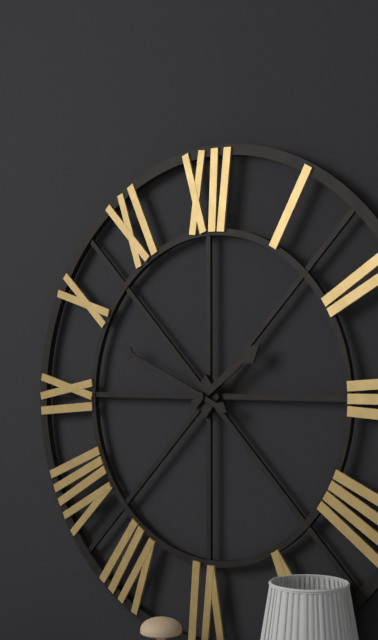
1:49
